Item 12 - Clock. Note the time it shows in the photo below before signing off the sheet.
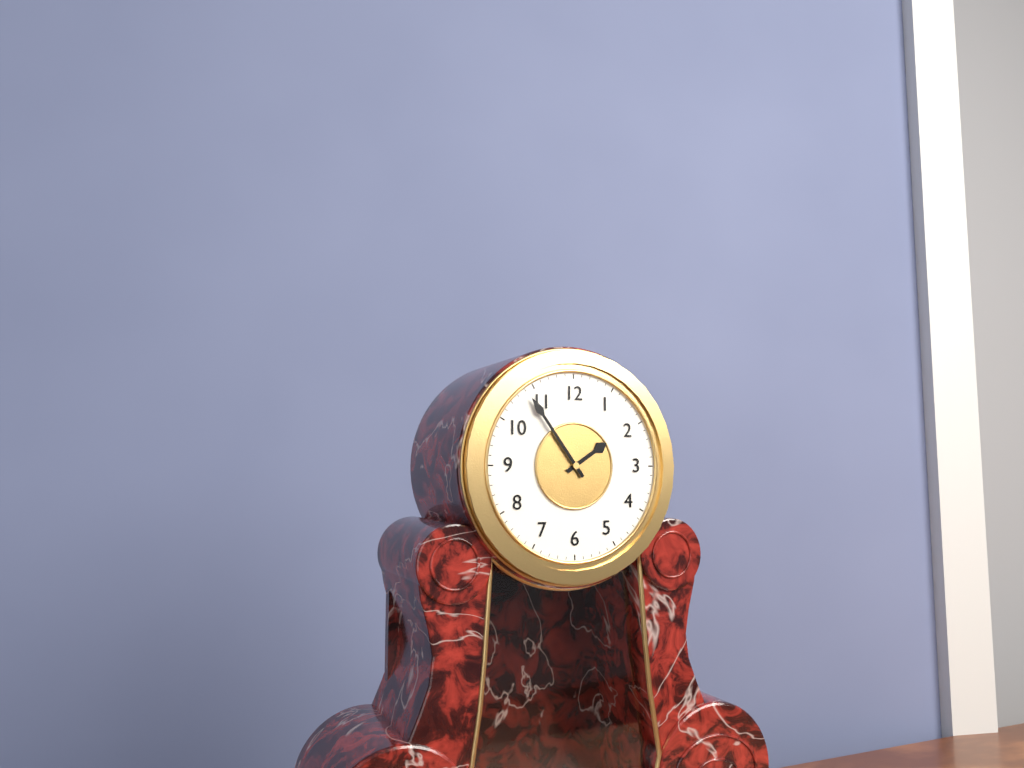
1:54
